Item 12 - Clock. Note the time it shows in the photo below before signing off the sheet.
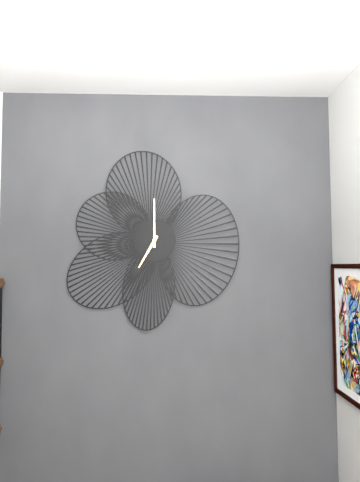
7:00
